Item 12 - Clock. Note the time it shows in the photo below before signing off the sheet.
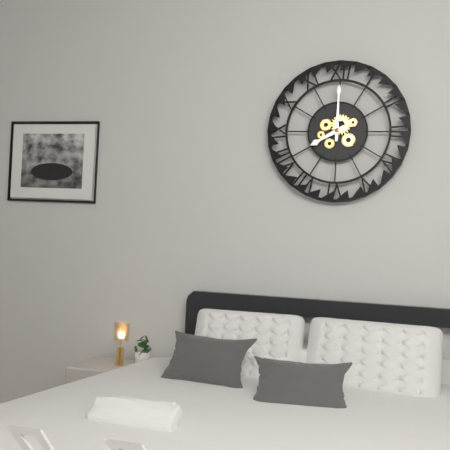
8:00
